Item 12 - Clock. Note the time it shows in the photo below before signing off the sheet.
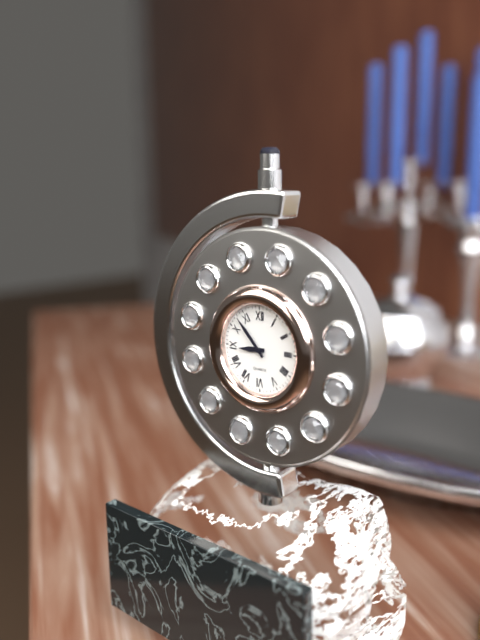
8:53
